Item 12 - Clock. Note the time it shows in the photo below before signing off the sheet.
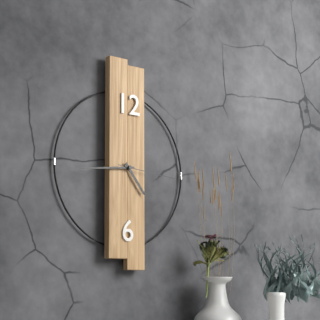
4:44:16
